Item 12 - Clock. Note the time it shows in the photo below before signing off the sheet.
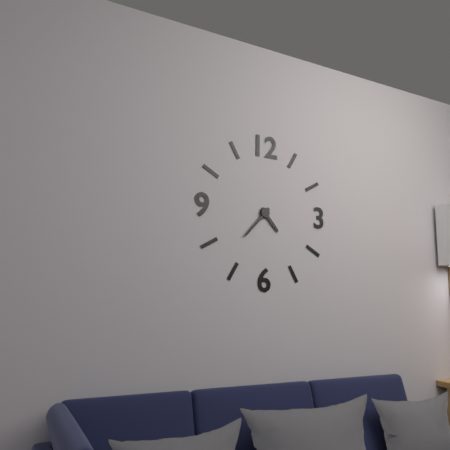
4:37
